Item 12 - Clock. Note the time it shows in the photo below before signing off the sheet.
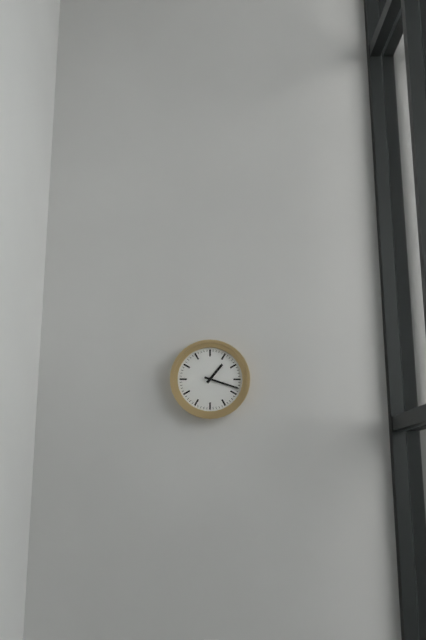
1:18
